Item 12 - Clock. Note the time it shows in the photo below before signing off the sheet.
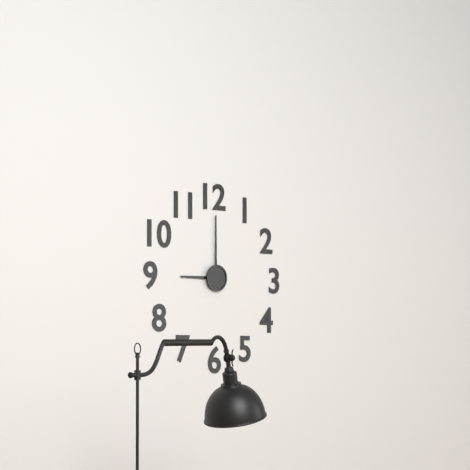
9:00
